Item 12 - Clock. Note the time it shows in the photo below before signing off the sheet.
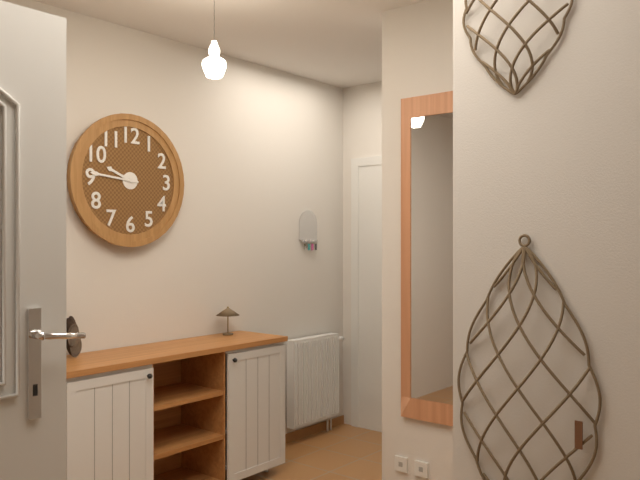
9:46
